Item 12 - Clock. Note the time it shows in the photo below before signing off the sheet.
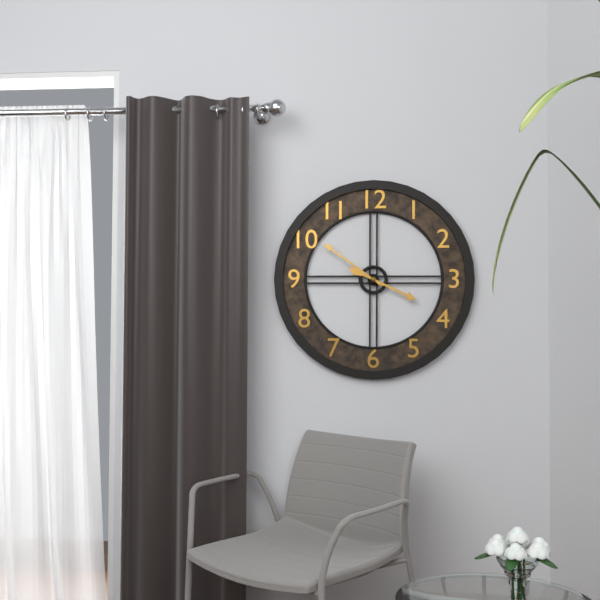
3:51
